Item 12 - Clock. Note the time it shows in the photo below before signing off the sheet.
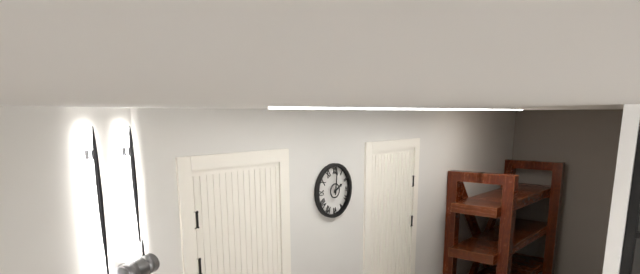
2:01
